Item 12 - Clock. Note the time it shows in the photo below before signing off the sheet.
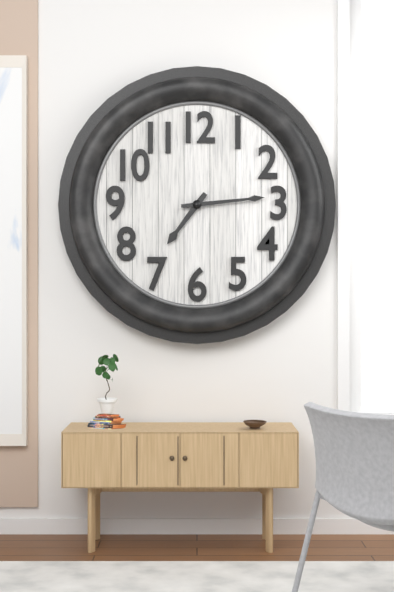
7:14
